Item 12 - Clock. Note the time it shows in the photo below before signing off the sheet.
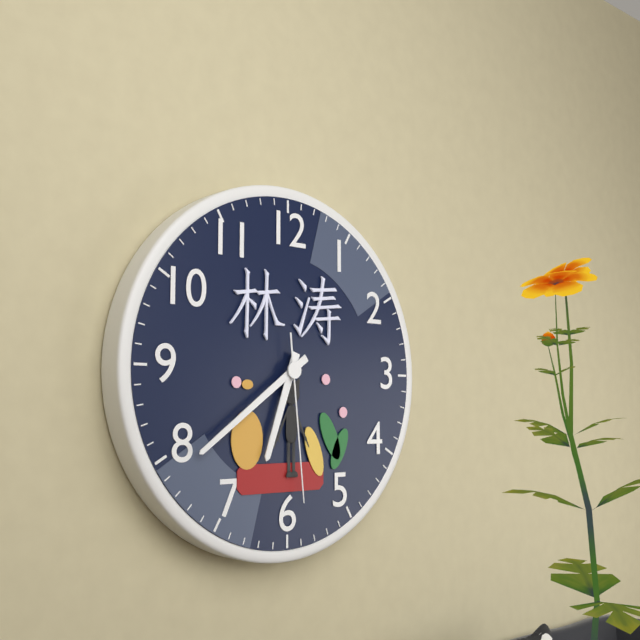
6:39:29
